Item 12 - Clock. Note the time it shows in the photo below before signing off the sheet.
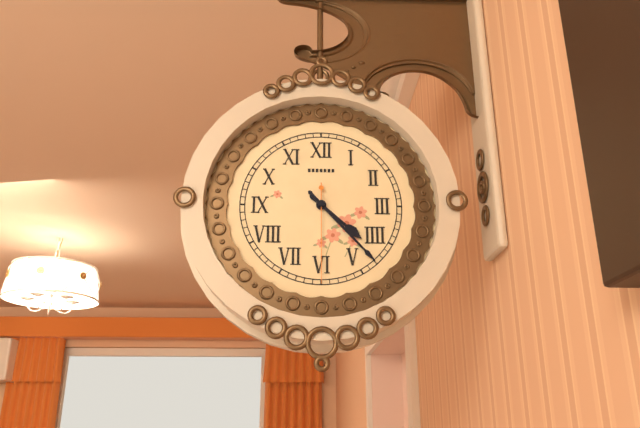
4:23:30
